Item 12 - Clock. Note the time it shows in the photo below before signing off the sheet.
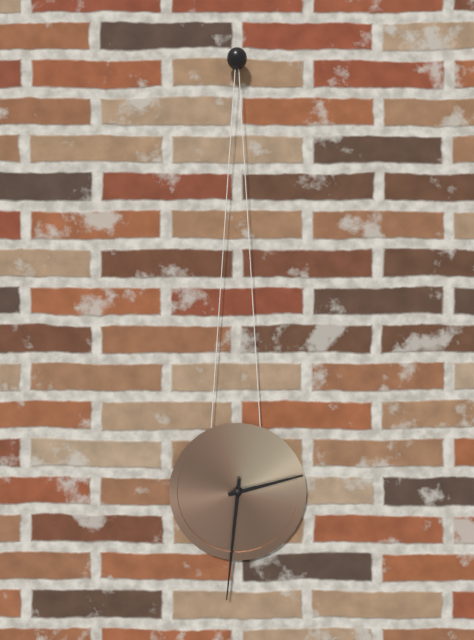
2:31
